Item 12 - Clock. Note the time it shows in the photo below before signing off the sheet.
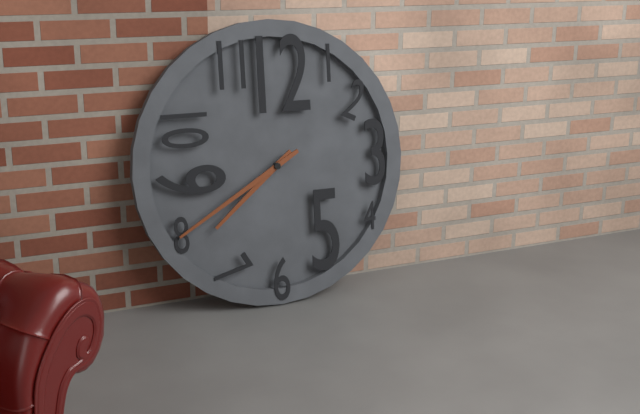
7:40
